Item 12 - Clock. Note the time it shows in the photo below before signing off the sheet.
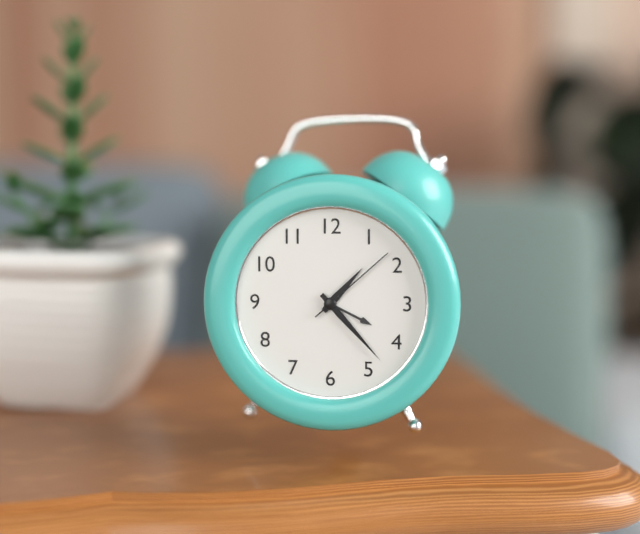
1:23:08
